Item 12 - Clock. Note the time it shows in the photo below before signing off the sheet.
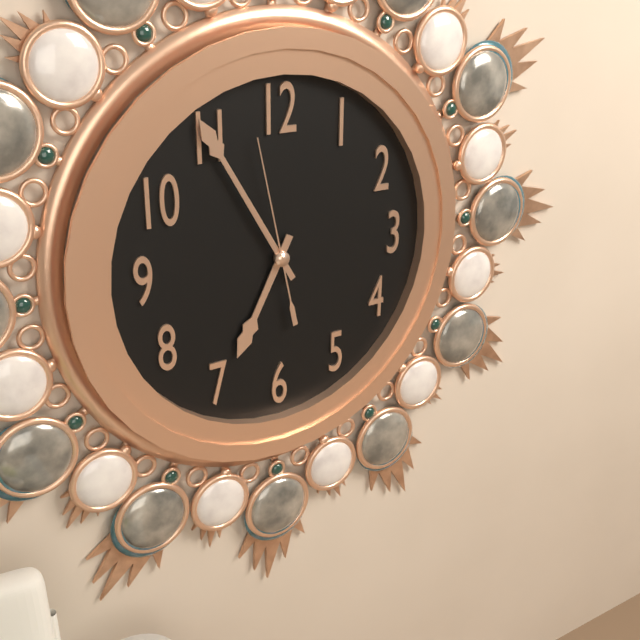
6:55:58
